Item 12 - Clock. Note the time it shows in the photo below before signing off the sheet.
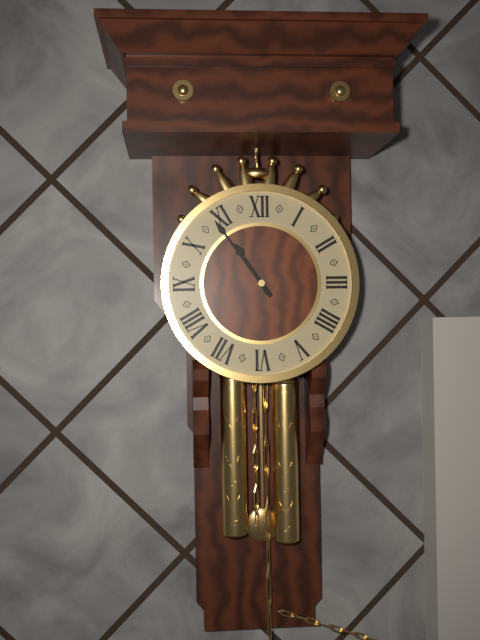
10:54
